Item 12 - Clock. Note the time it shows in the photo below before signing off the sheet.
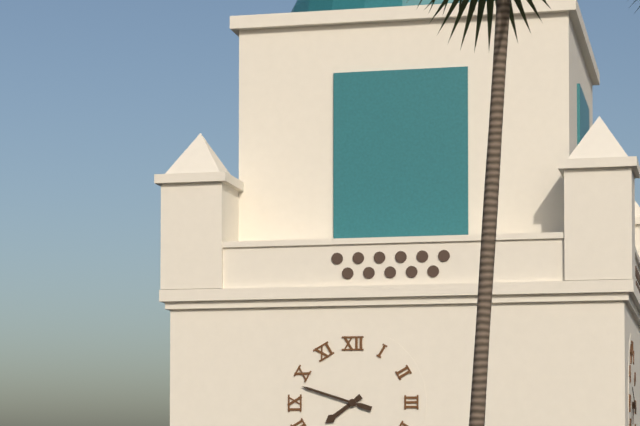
7:48
